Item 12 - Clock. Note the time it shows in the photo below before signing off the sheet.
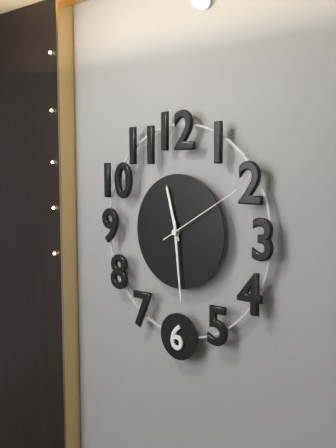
11:29:10
